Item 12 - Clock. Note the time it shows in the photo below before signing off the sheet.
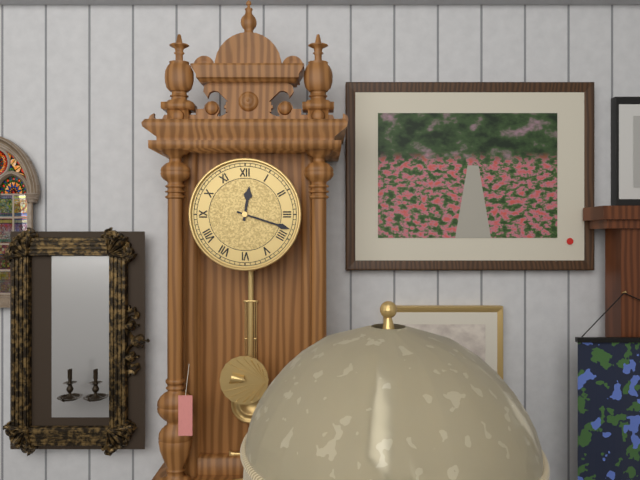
12:18
